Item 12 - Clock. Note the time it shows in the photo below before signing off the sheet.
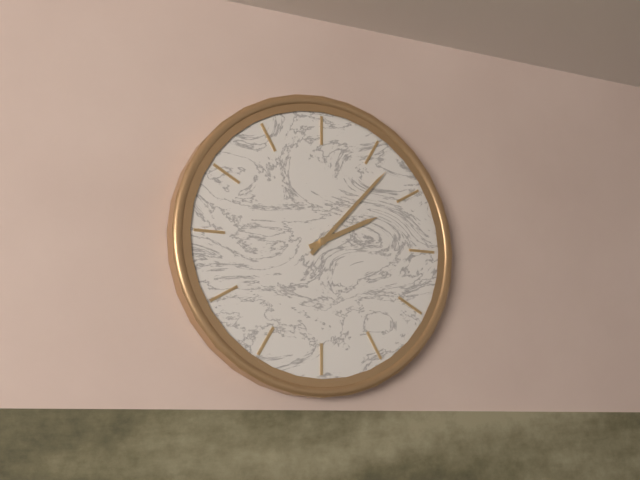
2:07
